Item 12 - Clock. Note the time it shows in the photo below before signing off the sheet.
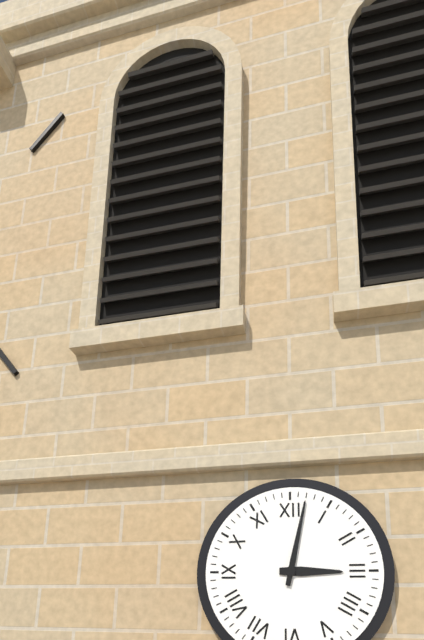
3:02
